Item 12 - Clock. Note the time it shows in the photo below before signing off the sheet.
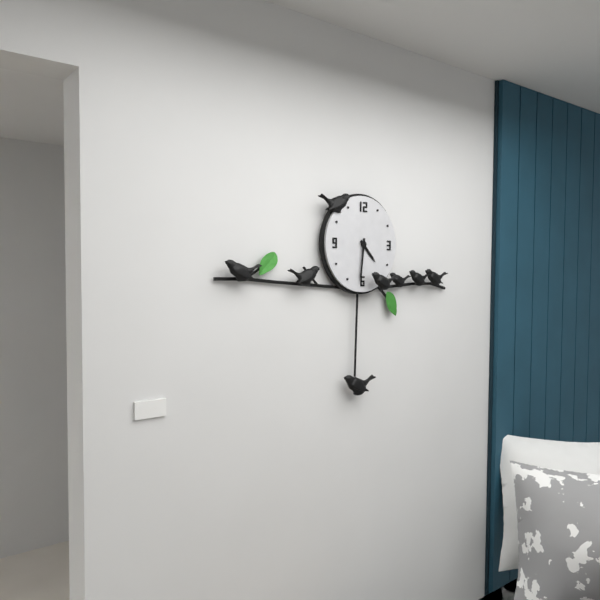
4:31
